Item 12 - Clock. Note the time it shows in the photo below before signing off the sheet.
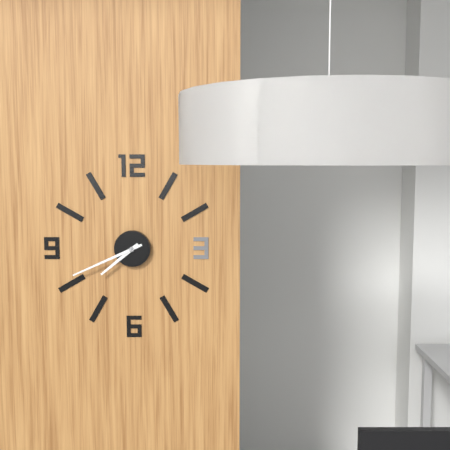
7:41
